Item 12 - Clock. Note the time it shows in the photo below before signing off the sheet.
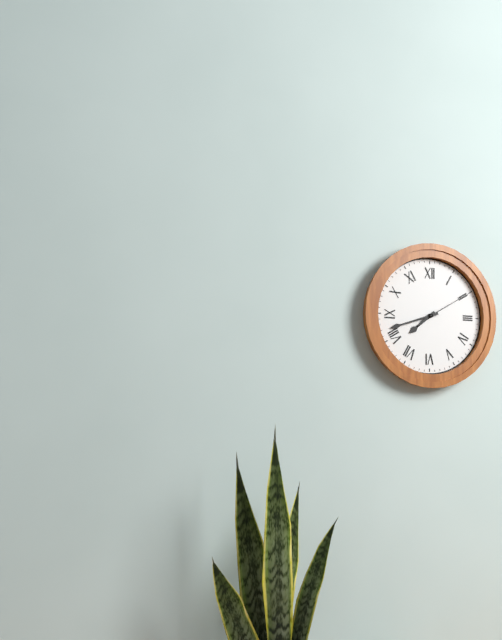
7:42:10
